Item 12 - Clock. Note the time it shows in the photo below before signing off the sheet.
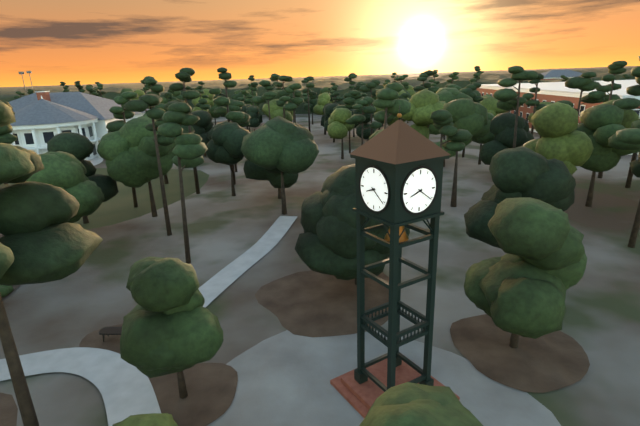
8:21
